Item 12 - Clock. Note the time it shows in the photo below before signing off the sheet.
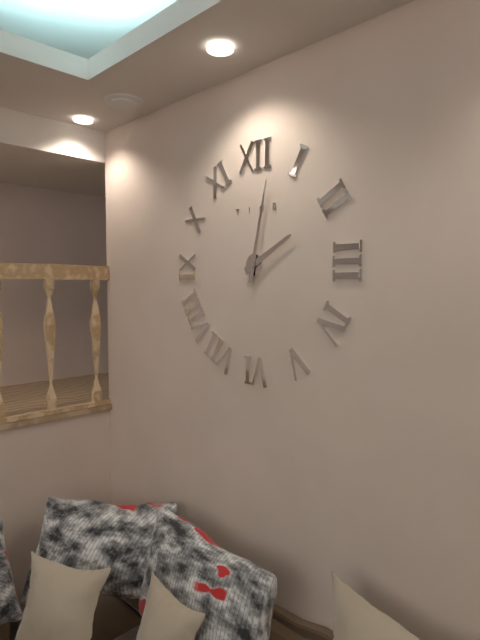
2:02
